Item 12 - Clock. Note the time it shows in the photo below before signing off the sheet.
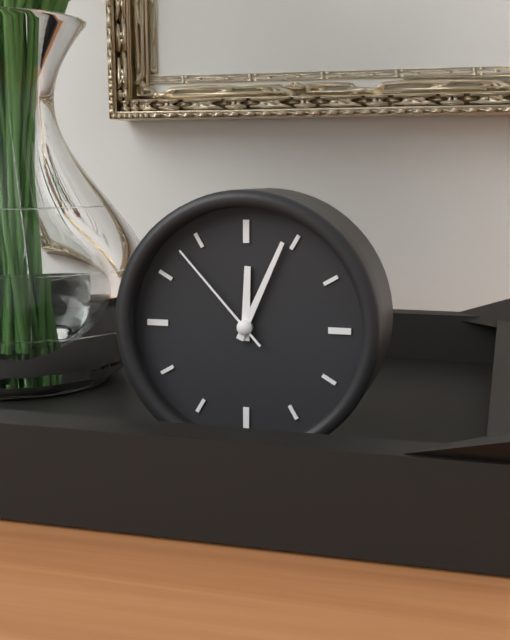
12:04:53
